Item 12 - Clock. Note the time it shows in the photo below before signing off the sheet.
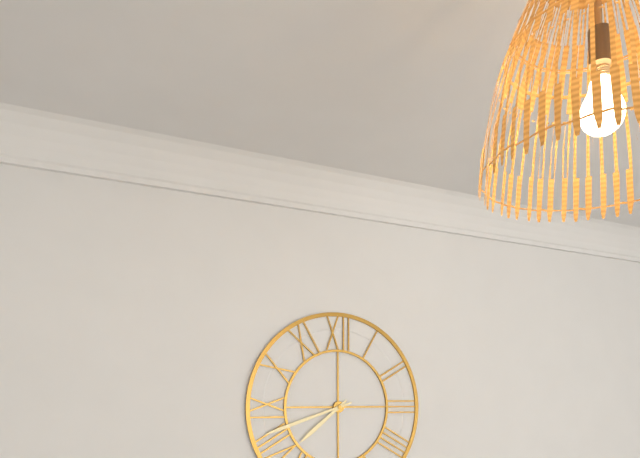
7:42
